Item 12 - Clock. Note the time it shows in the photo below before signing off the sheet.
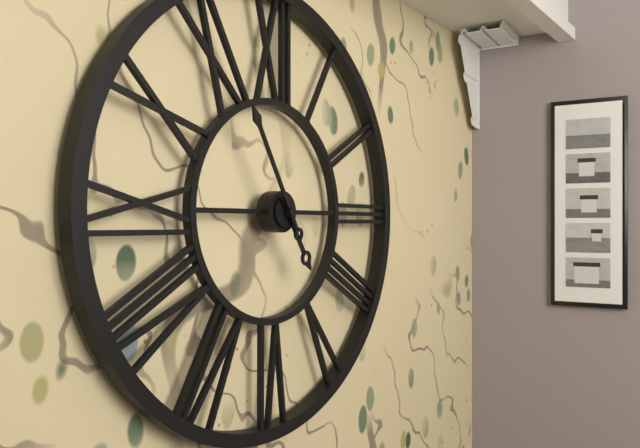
4:55
